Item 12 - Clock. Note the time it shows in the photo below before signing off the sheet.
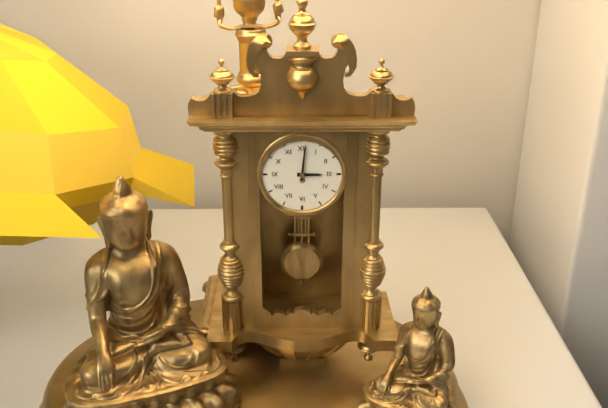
3:01
